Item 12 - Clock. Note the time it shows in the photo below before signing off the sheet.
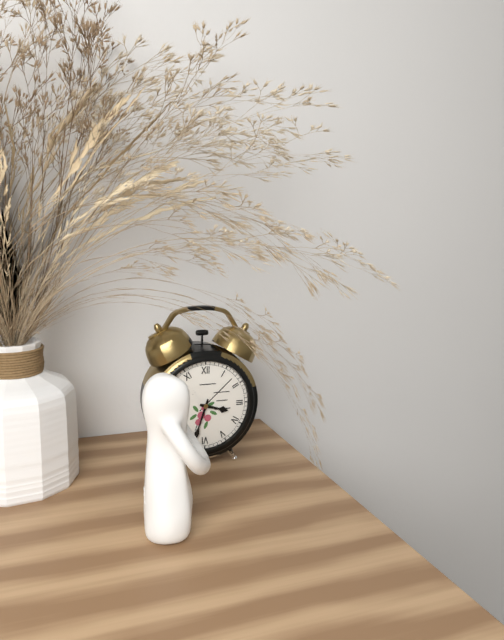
3:33
